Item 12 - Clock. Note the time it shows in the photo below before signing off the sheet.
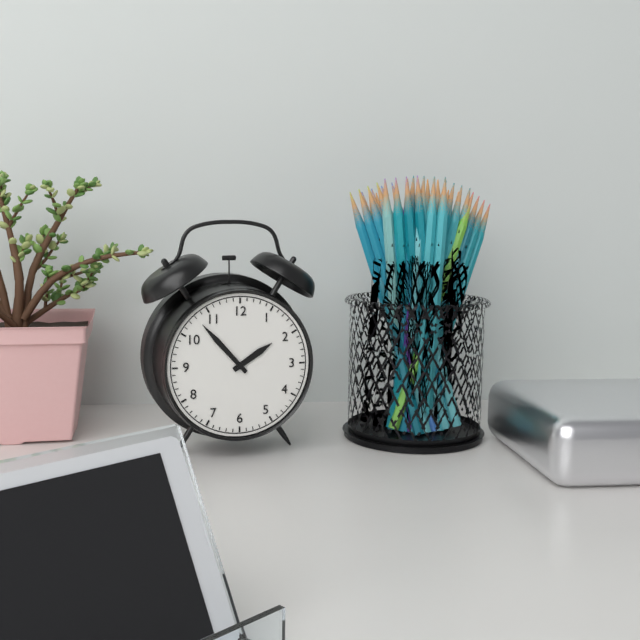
1:53
